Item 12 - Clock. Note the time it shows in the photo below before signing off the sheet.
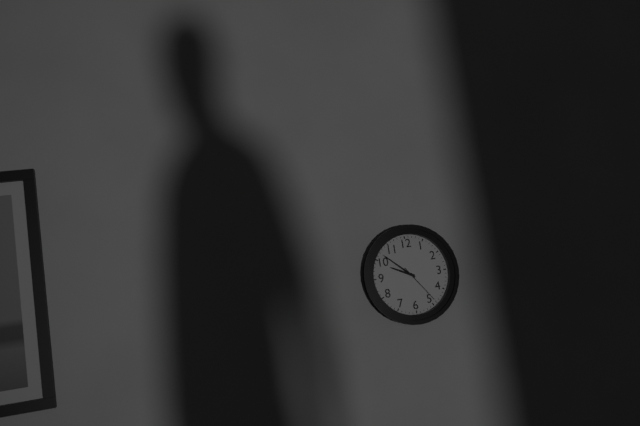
9:52
